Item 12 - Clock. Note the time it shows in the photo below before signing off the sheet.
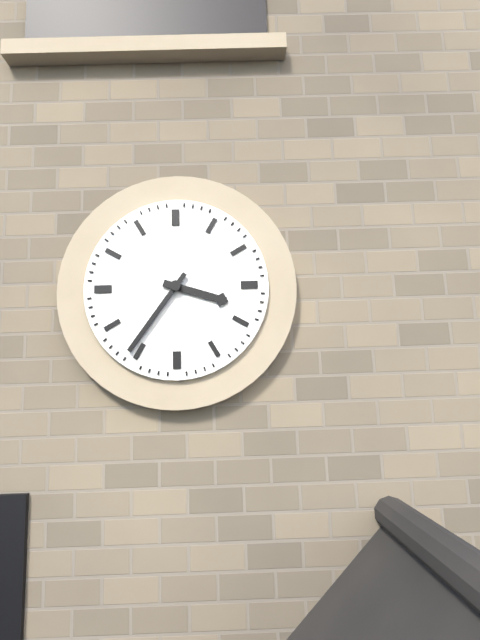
3:36
